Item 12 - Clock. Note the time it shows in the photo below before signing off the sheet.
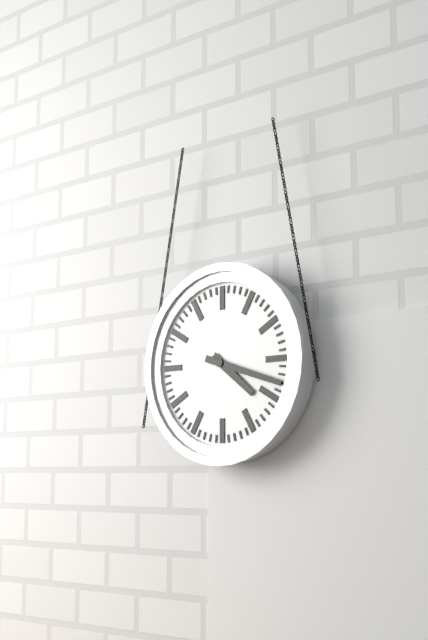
4:18
